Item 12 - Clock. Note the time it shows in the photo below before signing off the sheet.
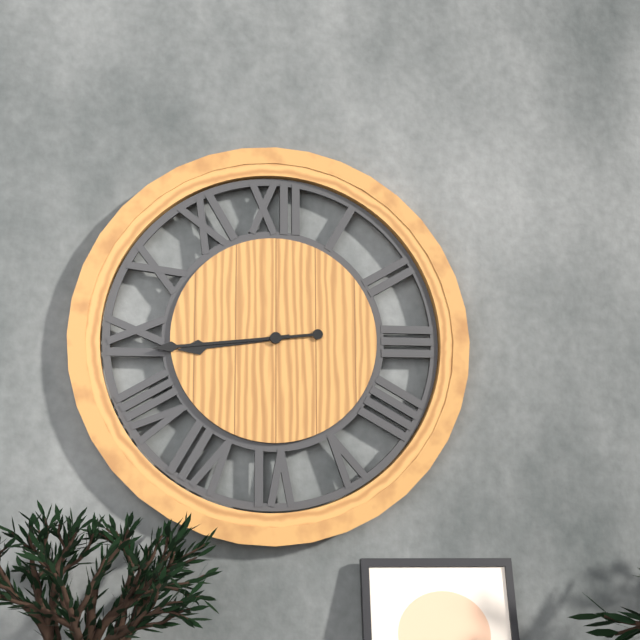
8:44
